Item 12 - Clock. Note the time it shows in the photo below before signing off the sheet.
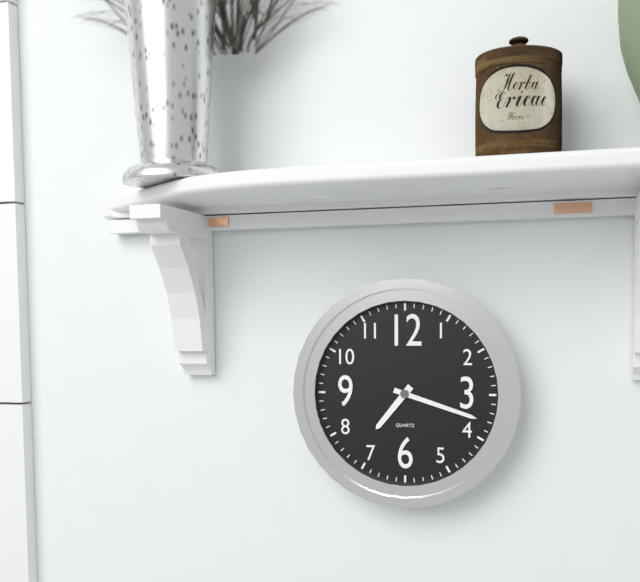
7:18
